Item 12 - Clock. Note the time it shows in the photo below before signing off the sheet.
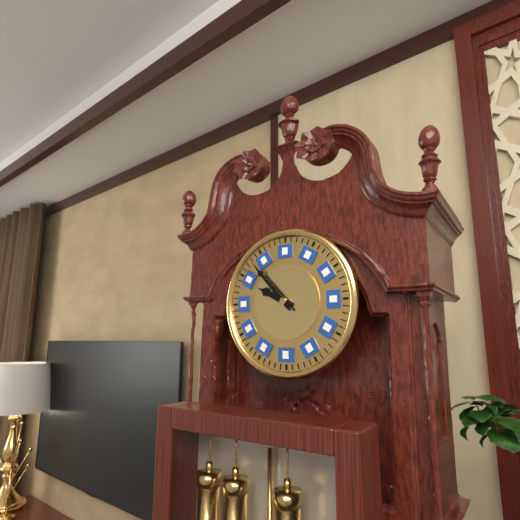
9:53
